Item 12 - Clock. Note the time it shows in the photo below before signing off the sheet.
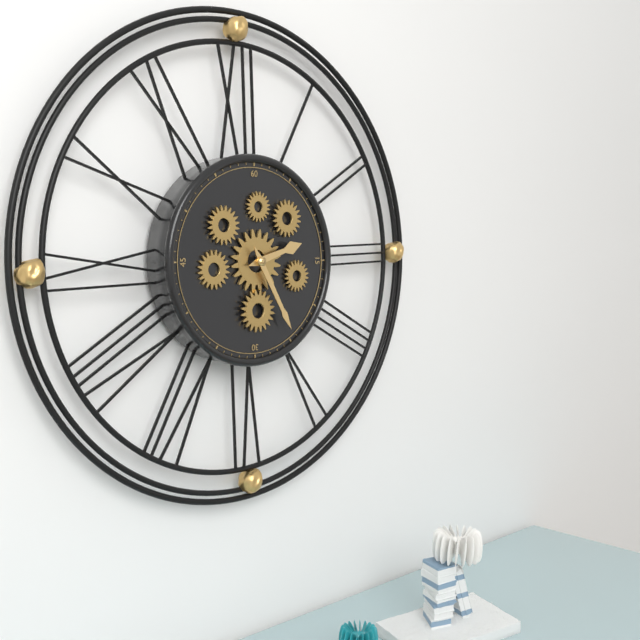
2:25
